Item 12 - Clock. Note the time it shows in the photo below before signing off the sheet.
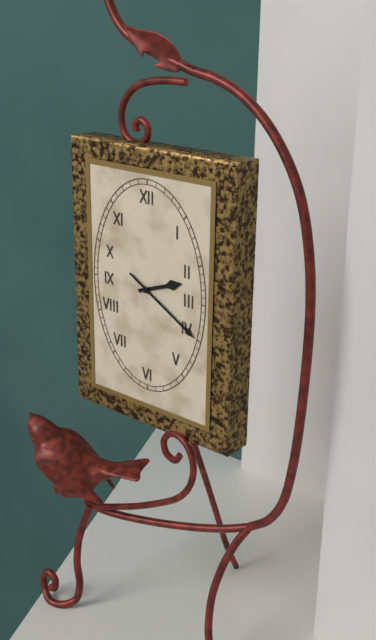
2:20
